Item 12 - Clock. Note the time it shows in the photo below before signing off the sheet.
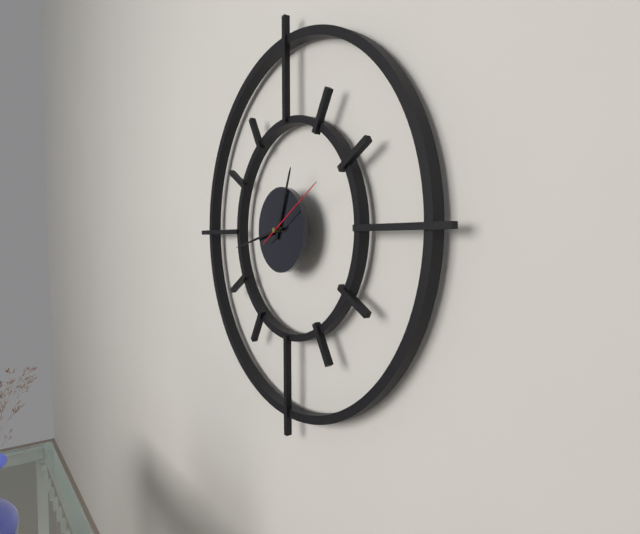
12:43:10
